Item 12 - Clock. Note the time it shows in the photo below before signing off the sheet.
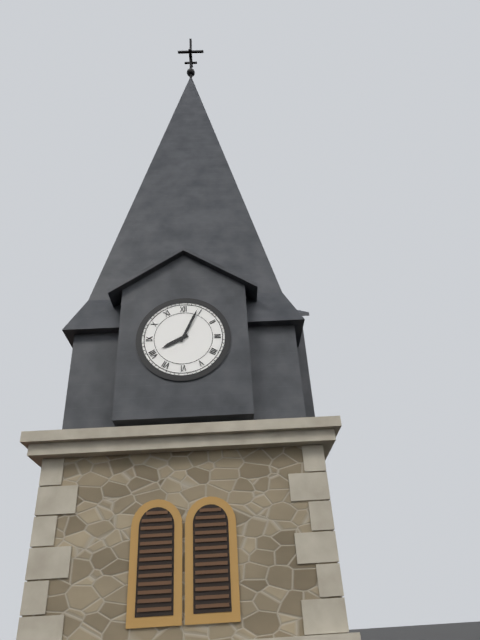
8:04
